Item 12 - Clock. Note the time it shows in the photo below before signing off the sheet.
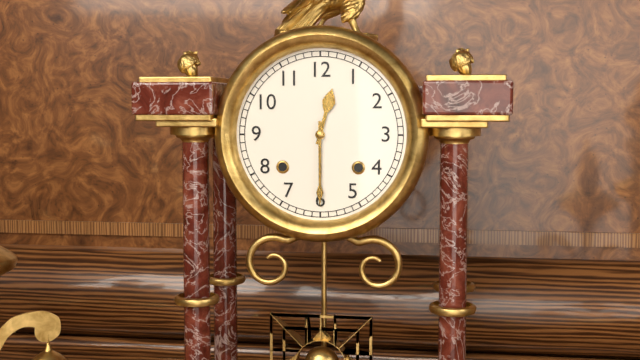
12:30
